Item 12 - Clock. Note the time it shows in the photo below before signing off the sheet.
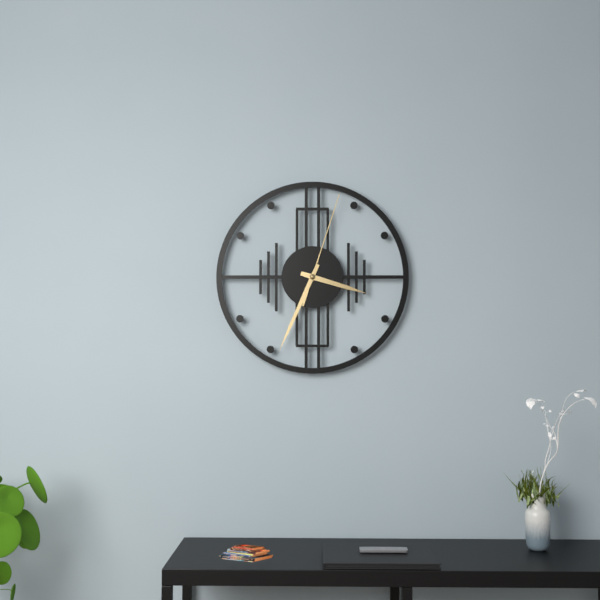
3:34:03
